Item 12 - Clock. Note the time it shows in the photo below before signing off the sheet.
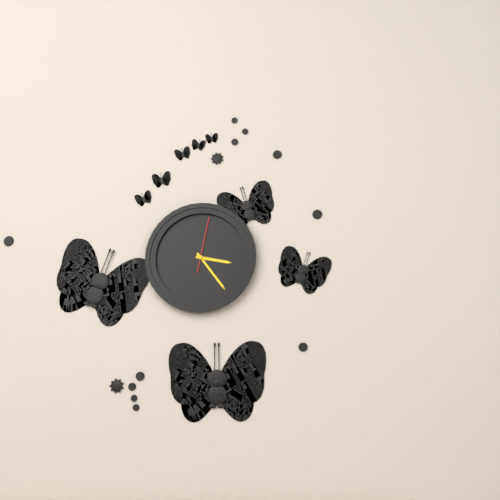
3:24:02
